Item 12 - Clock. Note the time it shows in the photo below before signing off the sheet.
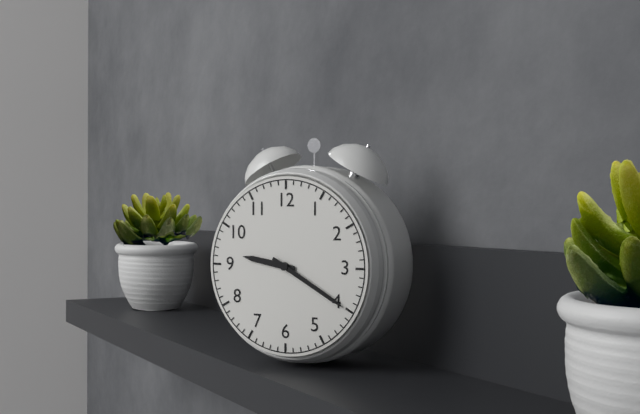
9:20
